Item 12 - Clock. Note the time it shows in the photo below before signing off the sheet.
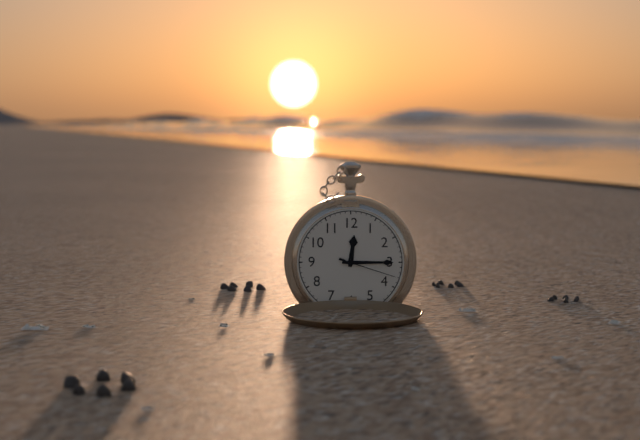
12:15:18
